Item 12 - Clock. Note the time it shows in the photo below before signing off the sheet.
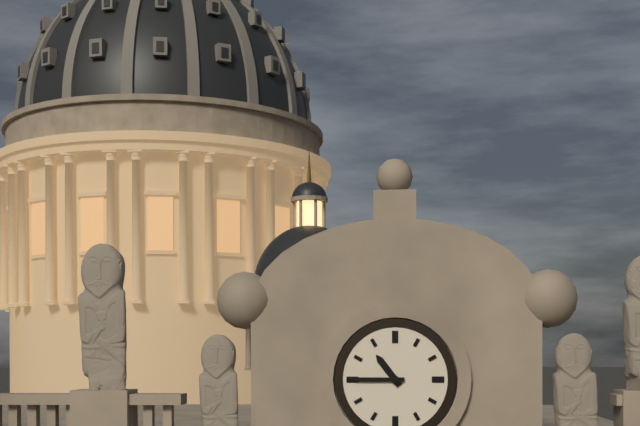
10:45
